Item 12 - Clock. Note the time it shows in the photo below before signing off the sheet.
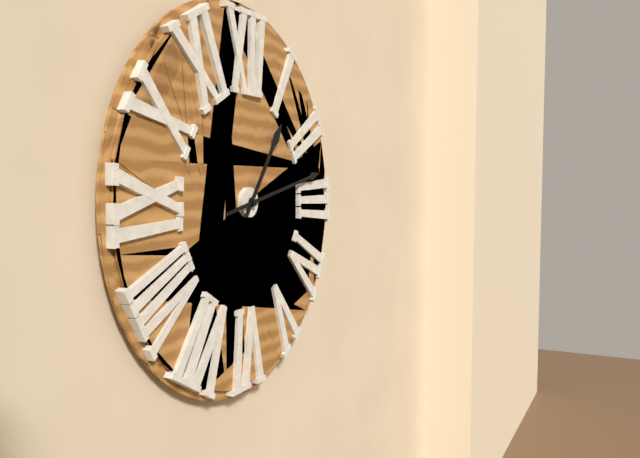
1:13
